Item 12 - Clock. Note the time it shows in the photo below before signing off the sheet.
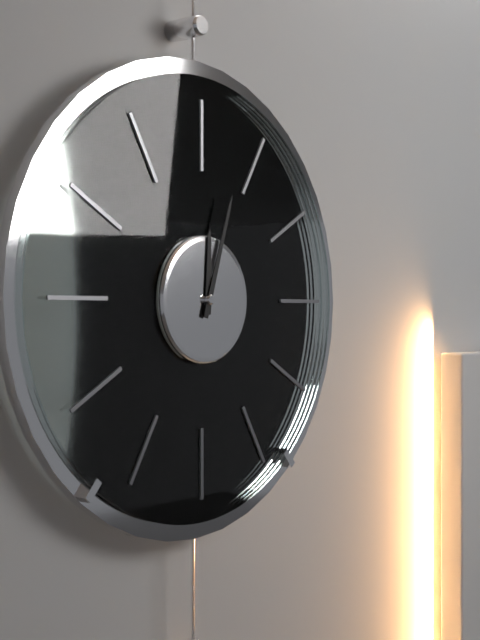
12:03
